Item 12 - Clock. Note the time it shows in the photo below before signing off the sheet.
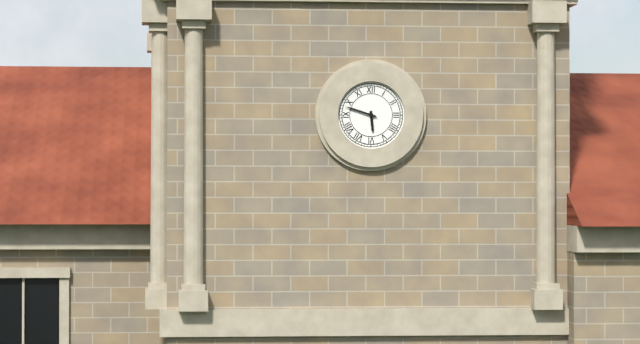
5:48
